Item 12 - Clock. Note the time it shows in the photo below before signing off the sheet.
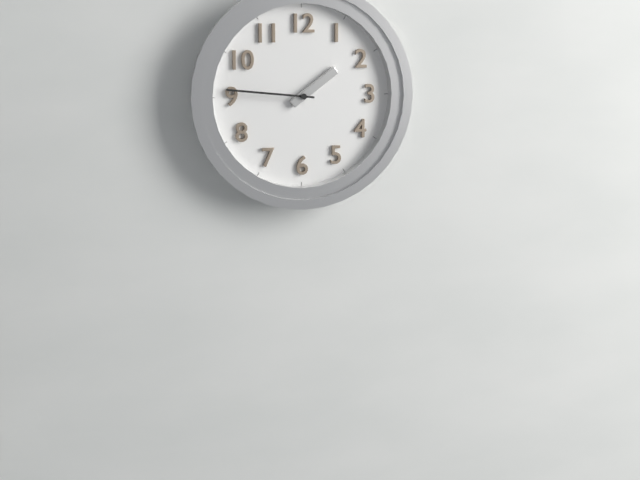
1:46
